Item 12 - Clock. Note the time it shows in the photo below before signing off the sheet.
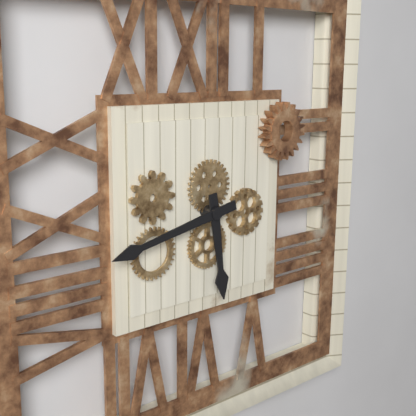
5:43
